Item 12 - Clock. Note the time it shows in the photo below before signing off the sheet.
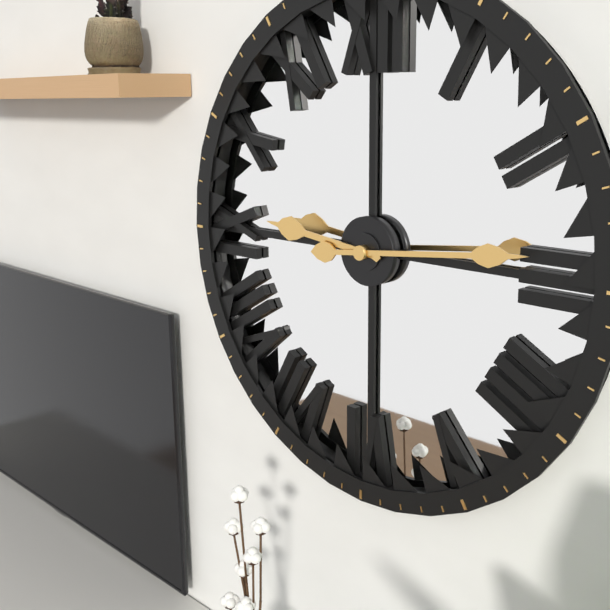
9:14
